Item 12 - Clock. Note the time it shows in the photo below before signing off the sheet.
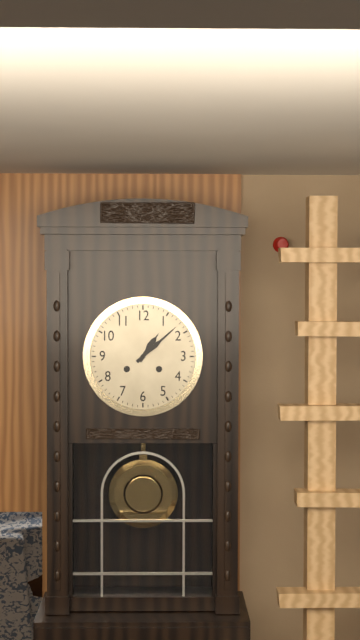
1:08
